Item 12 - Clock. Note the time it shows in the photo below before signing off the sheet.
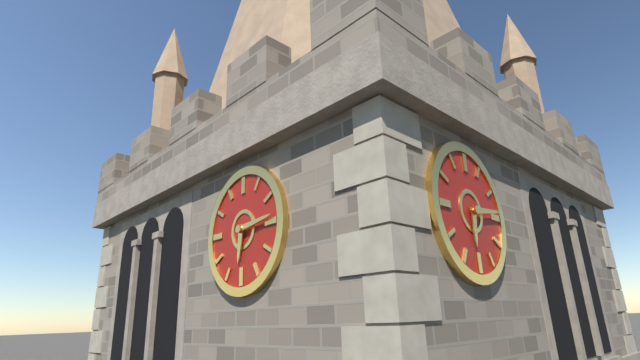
6:14
